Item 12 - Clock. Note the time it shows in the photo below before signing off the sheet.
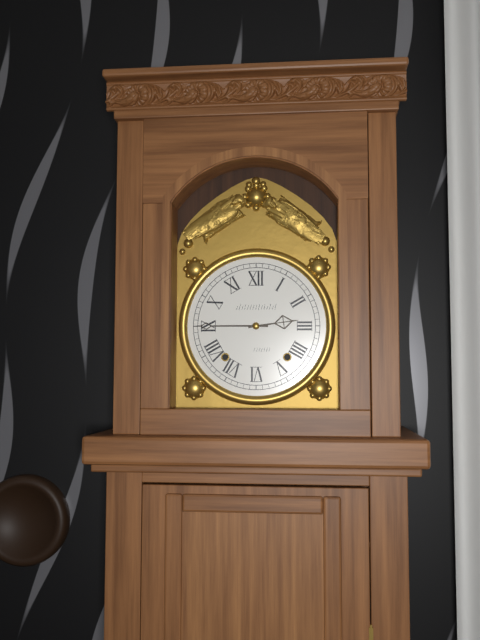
2:45
